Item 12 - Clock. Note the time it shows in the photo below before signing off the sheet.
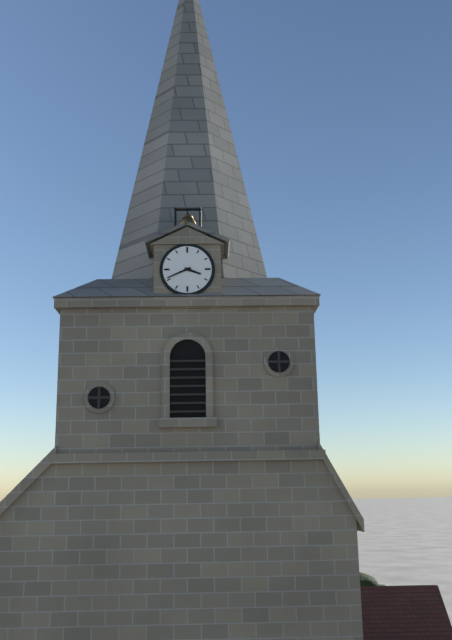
3:41
